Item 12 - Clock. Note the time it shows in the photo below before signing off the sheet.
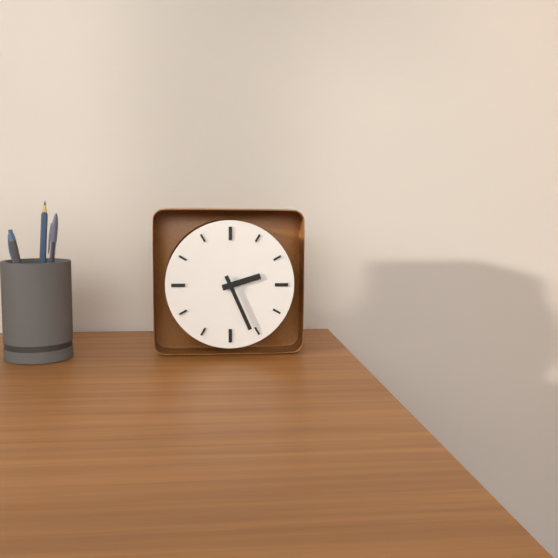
2:26
